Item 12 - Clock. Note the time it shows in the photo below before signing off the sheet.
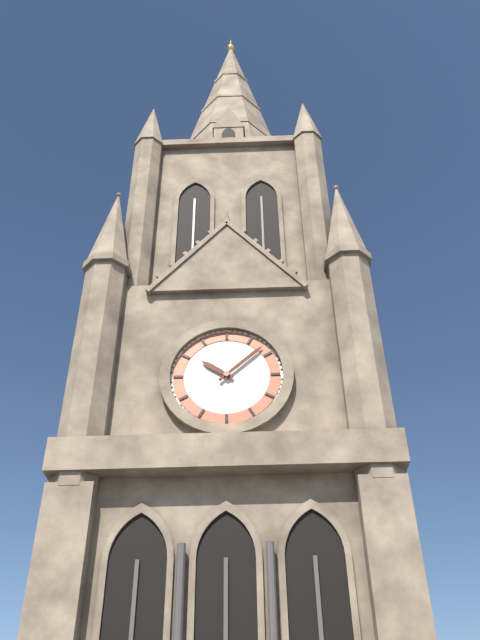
10:08
